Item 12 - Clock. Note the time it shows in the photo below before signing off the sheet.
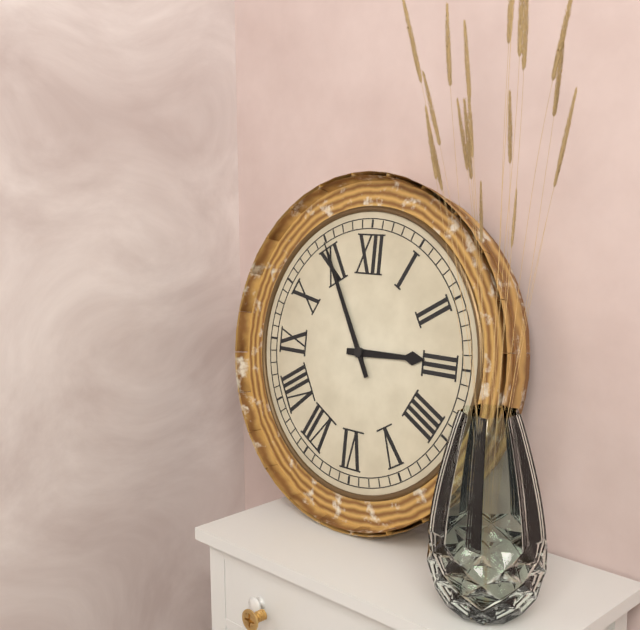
2:55
